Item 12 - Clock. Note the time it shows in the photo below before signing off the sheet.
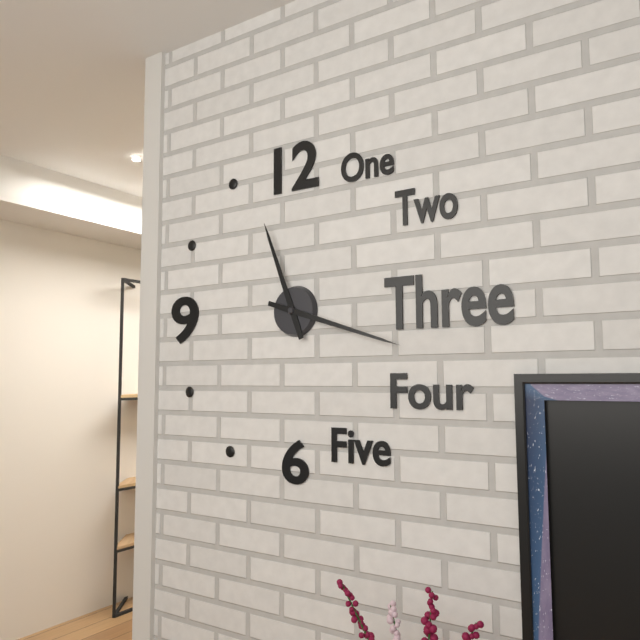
11:18
